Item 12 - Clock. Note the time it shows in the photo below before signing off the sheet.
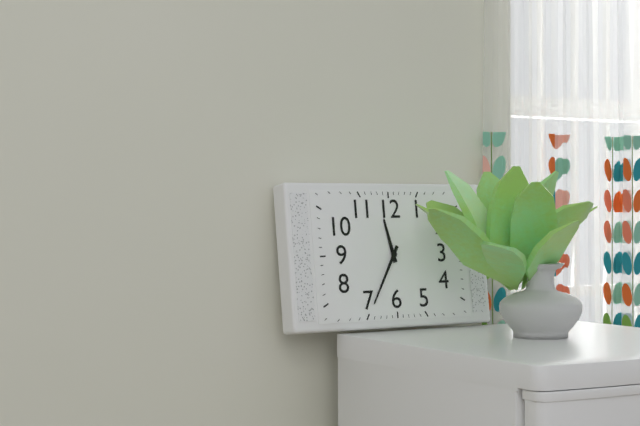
11:35
